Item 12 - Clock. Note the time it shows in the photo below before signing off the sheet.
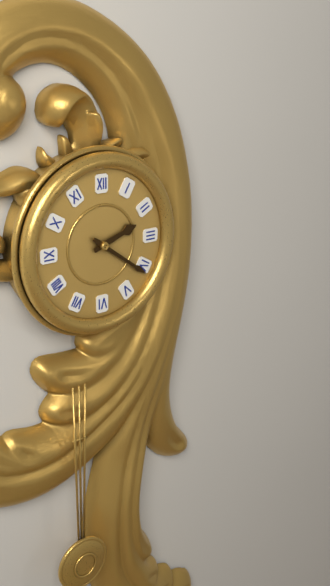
2:21
